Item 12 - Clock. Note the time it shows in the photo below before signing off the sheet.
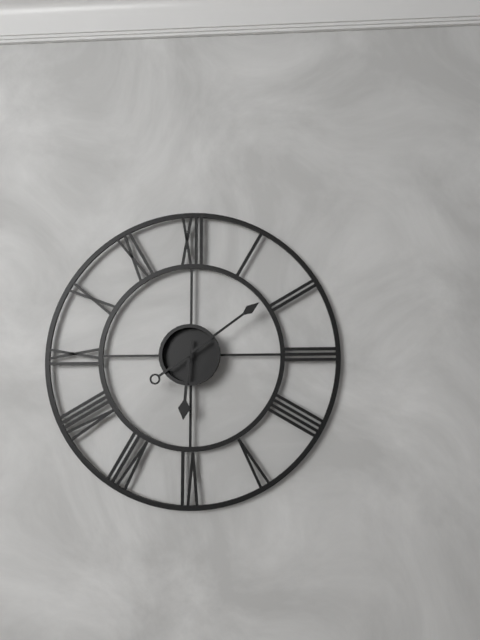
6:09
